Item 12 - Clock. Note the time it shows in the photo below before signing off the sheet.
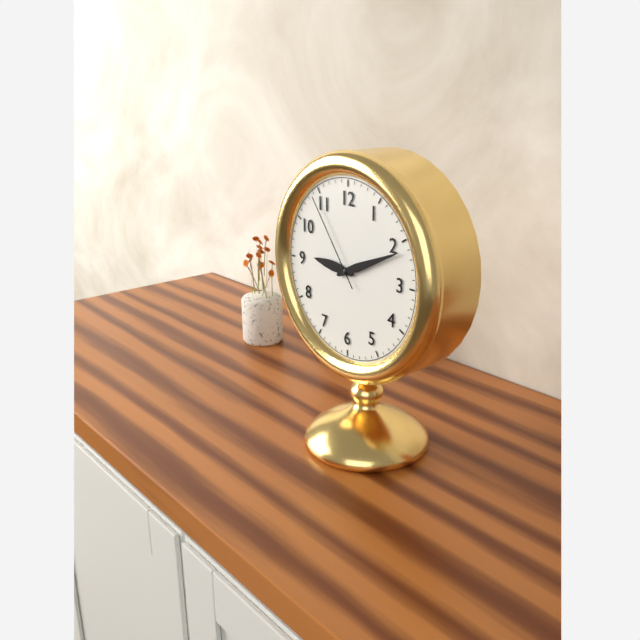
9:11:54
